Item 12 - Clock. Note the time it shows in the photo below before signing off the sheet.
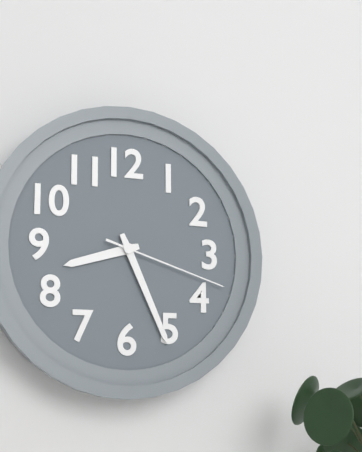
8:26:18
